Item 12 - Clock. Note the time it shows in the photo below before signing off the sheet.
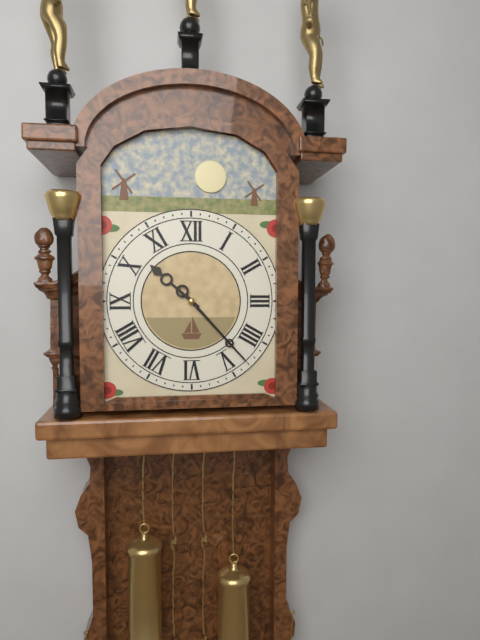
10:23
